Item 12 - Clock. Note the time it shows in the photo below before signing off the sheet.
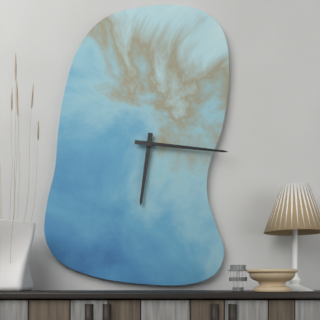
6:16
